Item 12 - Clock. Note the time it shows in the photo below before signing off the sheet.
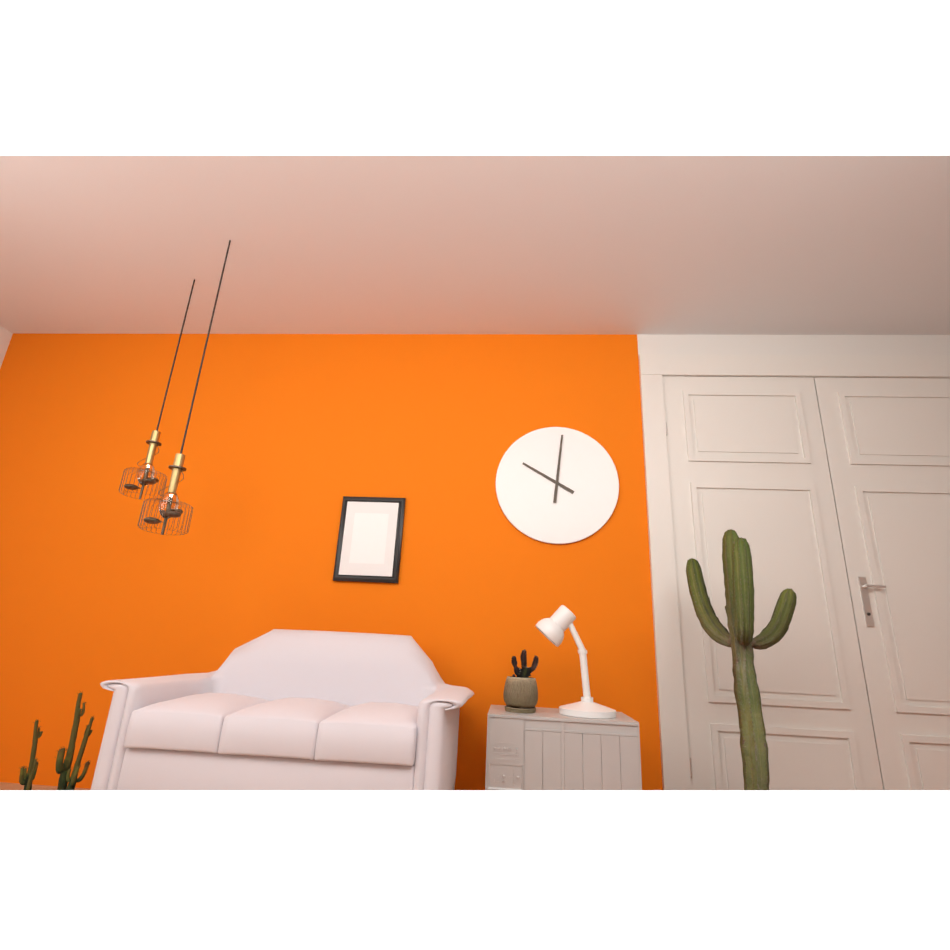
10:01
